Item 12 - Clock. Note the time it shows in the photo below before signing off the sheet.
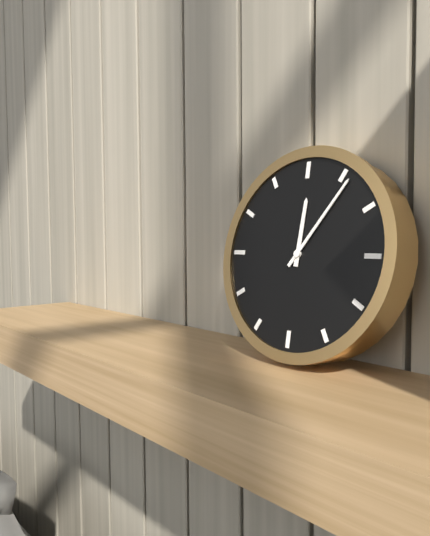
12:06
